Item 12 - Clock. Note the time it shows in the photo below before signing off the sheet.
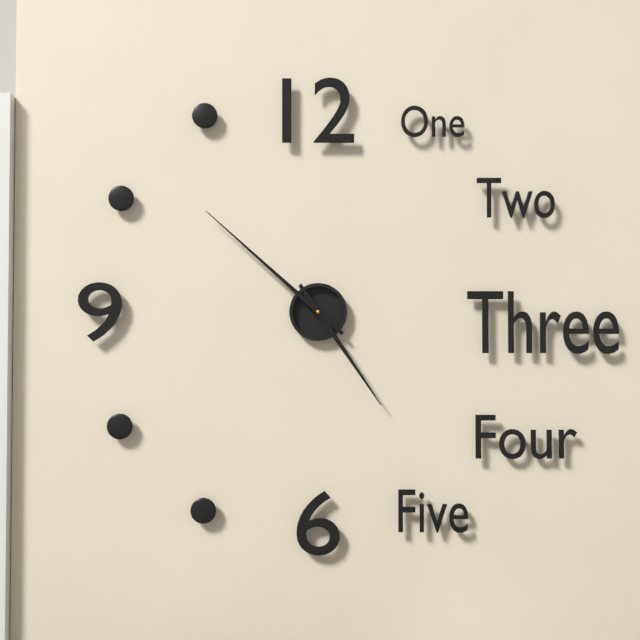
4:52
